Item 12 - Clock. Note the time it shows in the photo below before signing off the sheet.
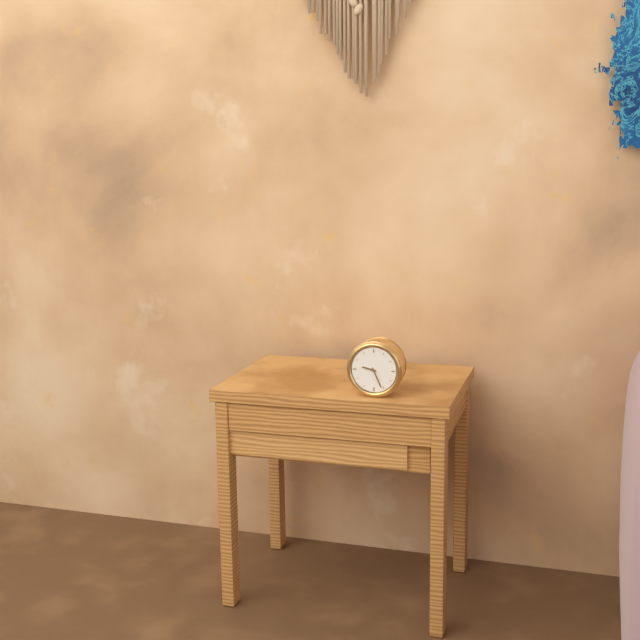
9:26
